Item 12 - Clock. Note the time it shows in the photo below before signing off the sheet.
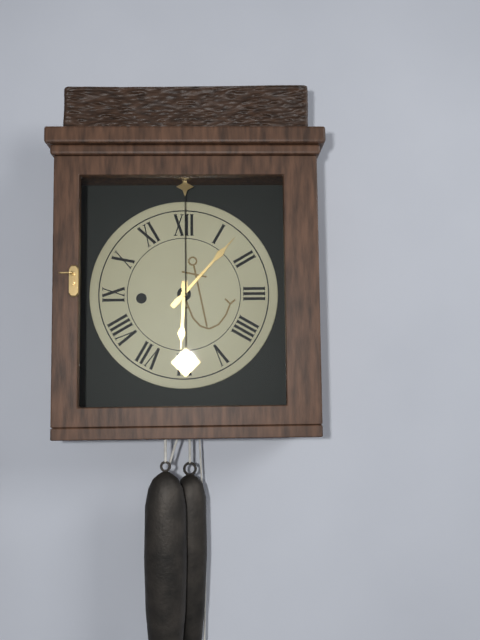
6:07
